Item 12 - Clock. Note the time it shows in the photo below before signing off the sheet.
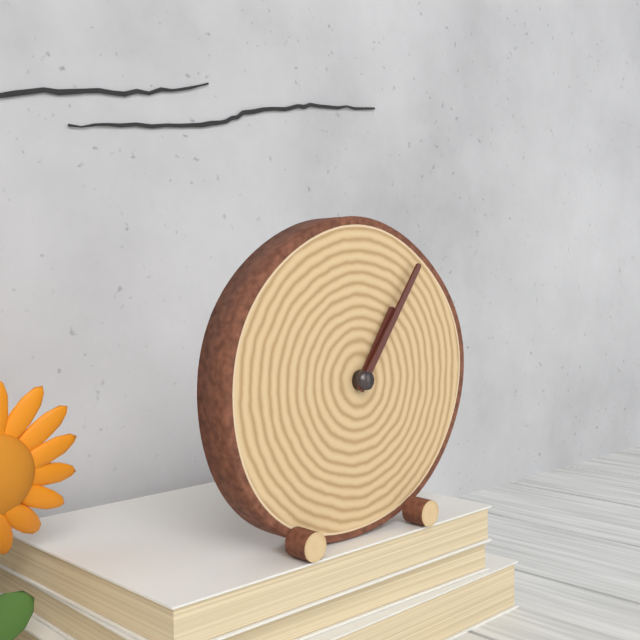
1:06
